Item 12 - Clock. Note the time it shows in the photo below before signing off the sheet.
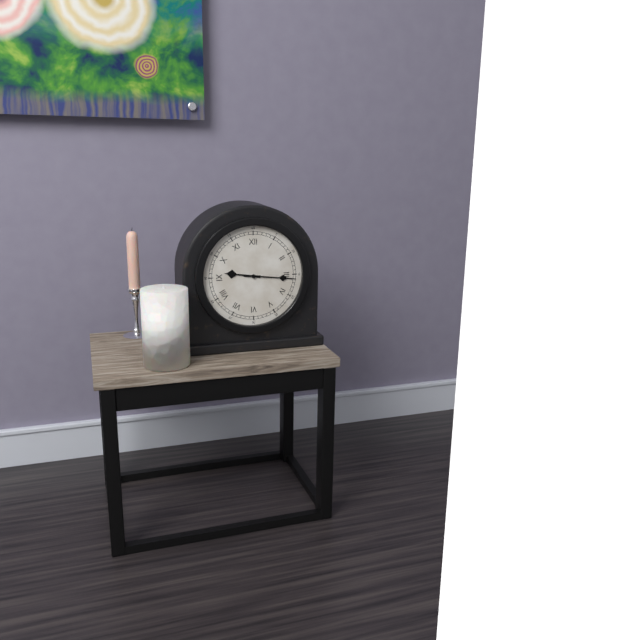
9:16
